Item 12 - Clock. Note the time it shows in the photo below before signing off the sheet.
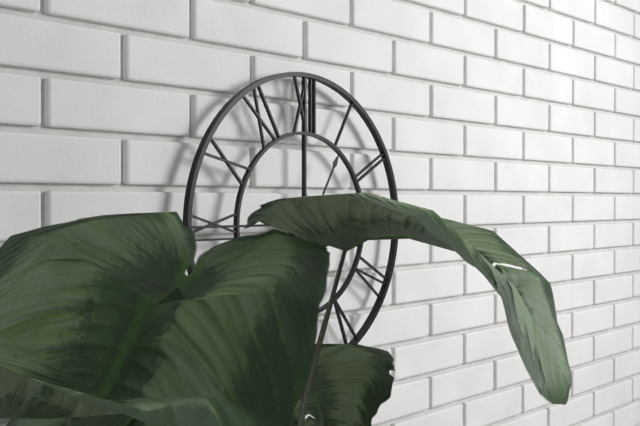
8:05
